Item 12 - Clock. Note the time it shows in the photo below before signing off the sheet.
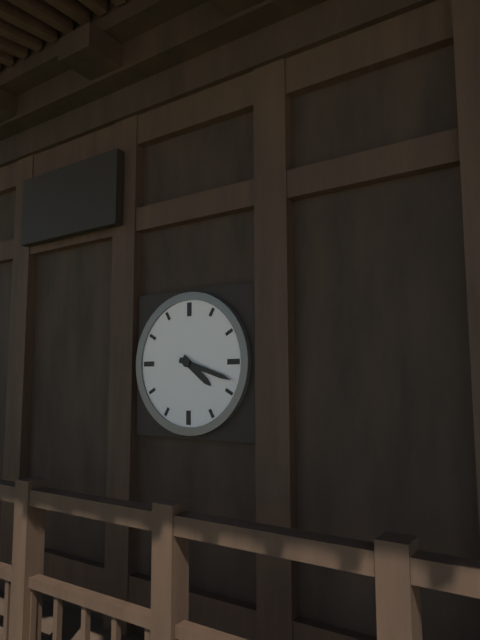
4:18
